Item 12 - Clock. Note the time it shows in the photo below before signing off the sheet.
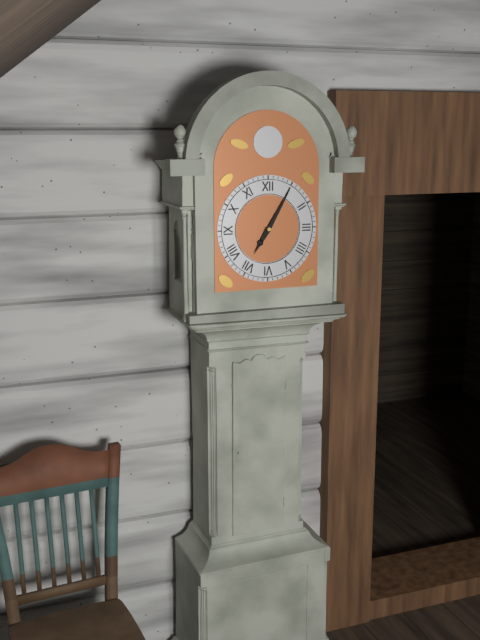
7:05
